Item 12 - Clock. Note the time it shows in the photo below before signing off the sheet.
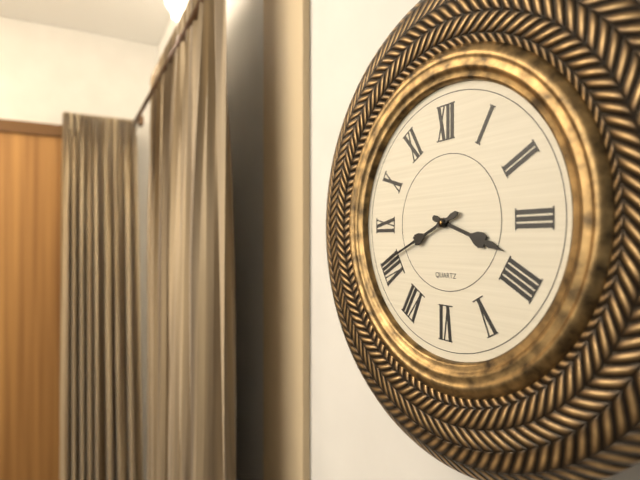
3:41
